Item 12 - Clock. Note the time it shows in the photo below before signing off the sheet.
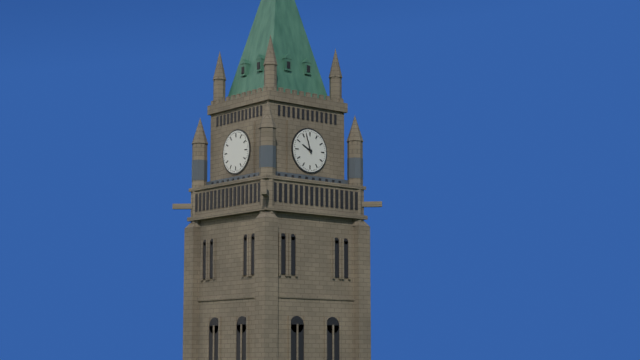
9:57
